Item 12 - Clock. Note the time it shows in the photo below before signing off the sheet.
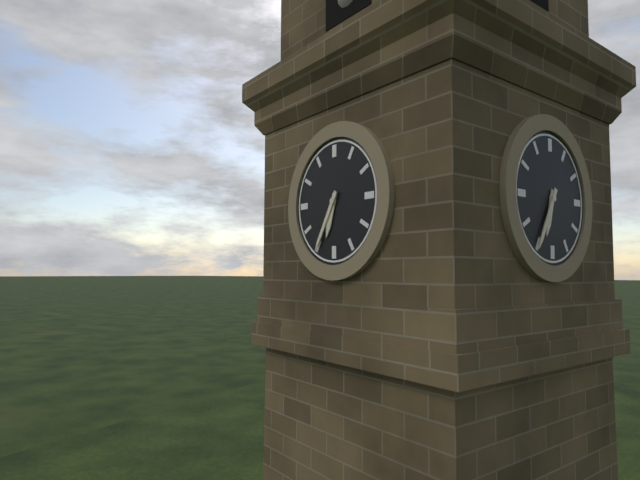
6:35
